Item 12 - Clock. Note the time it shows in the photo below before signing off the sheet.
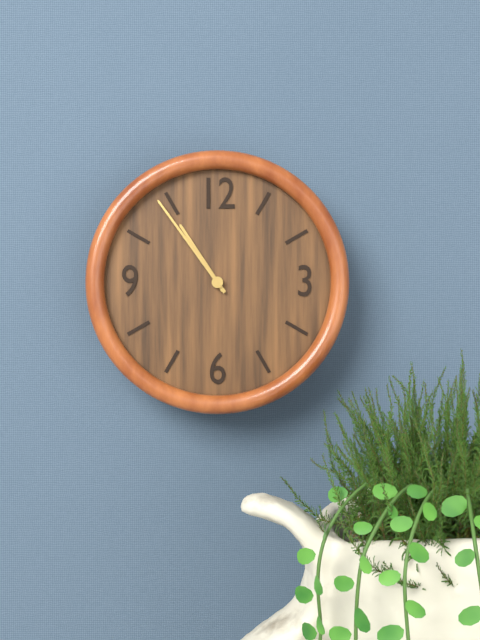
10:54
